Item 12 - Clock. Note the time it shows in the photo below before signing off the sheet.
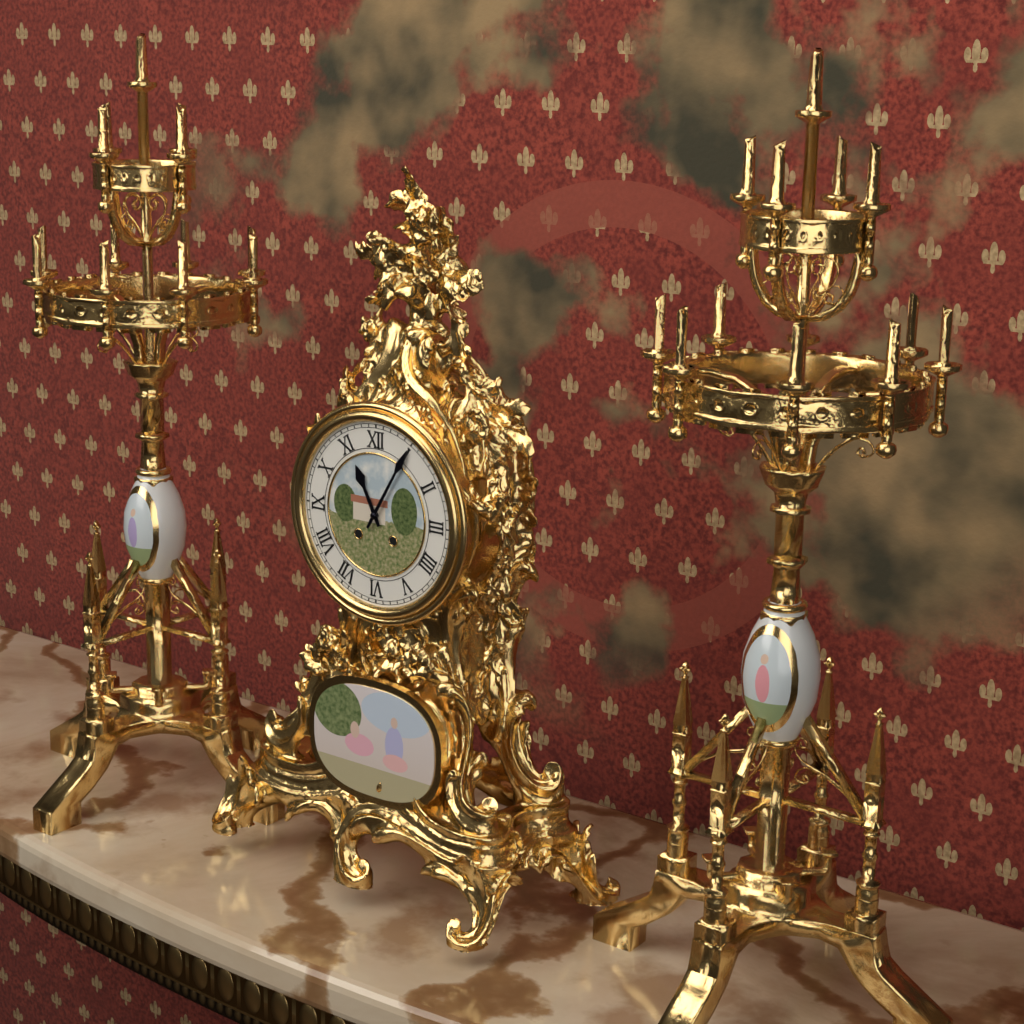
11:05
